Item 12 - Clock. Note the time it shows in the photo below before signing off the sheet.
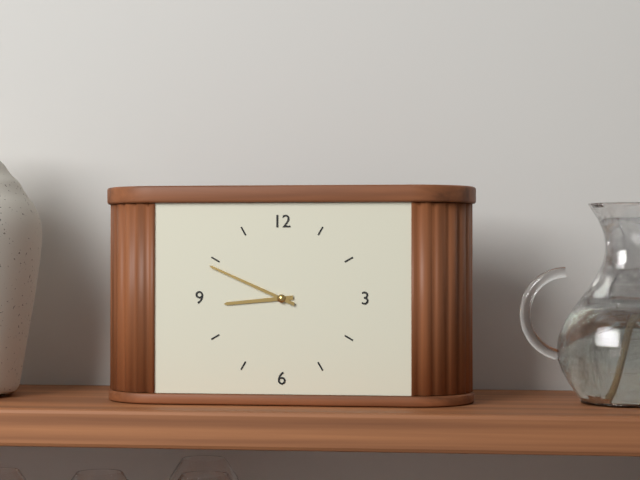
8:49
